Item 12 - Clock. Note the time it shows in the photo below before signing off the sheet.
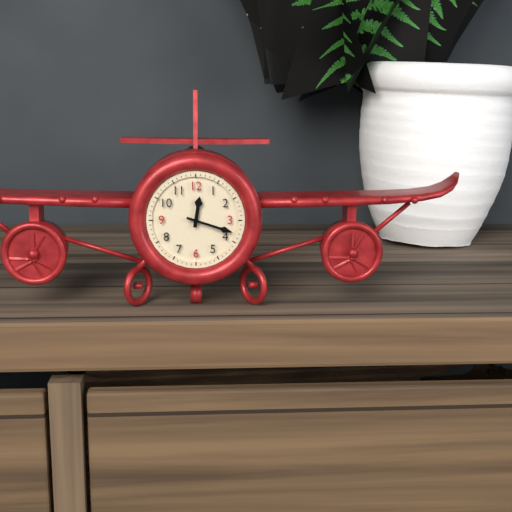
12:18
